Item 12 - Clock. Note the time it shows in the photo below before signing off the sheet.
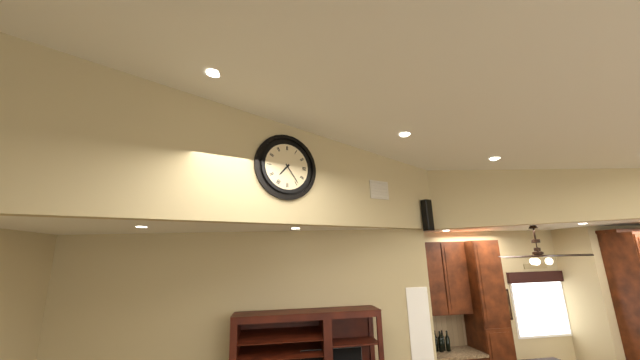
7:24
